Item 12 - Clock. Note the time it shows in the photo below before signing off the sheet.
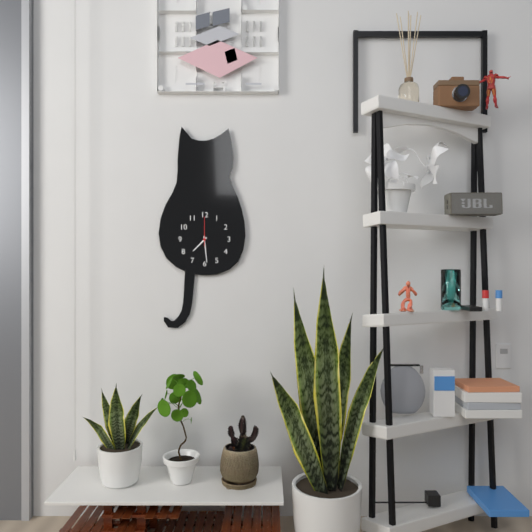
7:29
